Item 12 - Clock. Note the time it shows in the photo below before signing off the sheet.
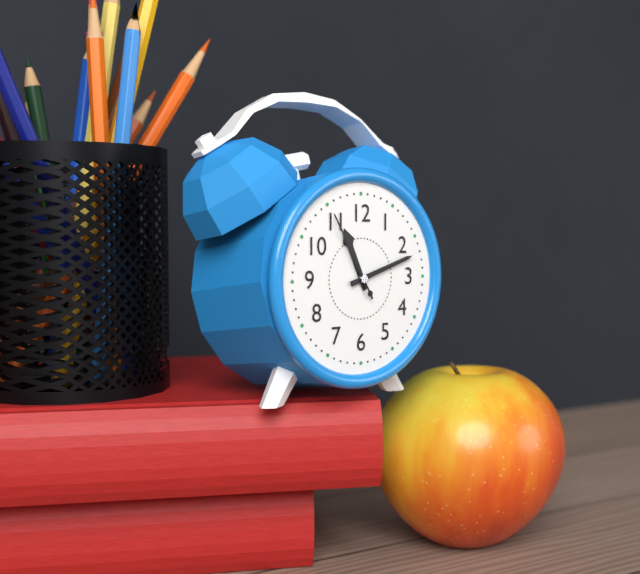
11:12:55
